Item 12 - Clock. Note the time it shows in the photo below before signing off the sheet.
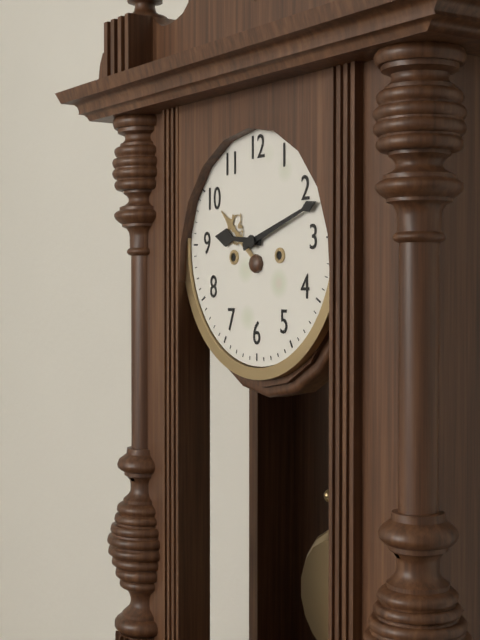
9:12
